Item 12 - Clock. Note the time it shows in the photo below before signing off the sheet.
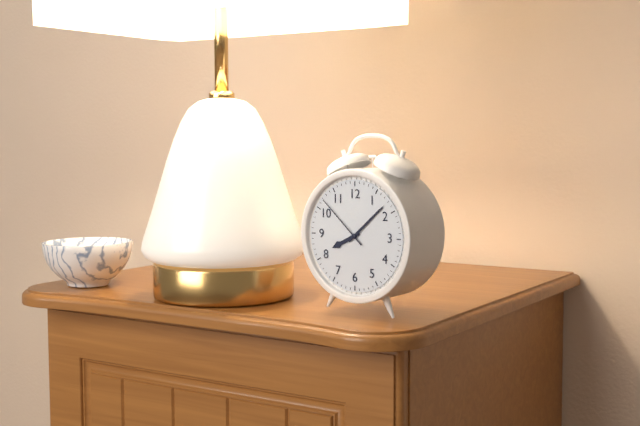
8:08:52
